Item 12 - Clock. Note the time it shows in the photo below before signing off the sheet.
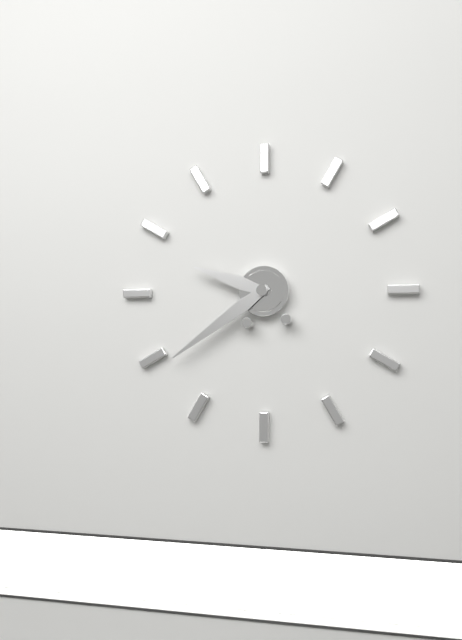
9:39
